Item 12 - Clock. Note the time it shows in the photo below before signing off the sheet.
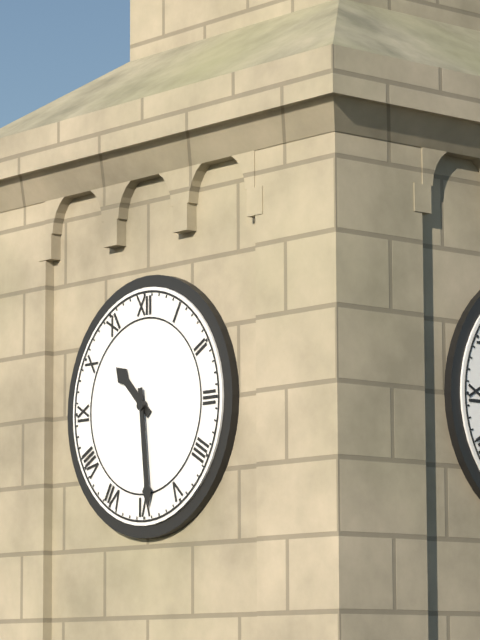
10:29
